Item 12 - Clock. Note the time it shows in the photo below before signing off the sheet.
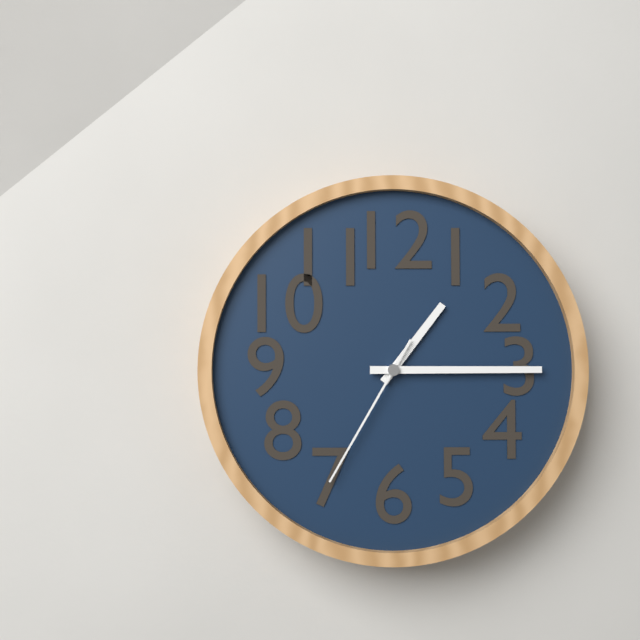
1:15:35
